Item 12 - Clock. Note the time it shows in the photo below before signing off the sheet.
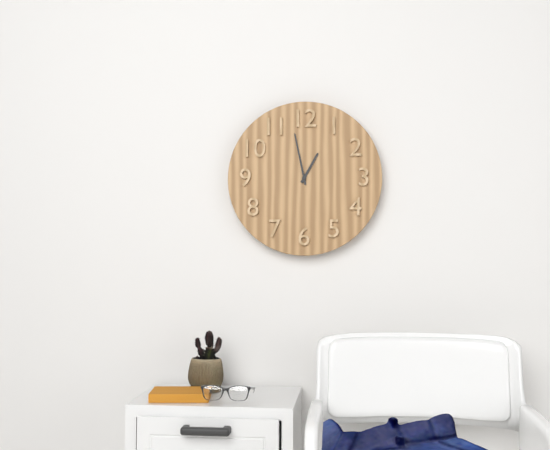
12:58
